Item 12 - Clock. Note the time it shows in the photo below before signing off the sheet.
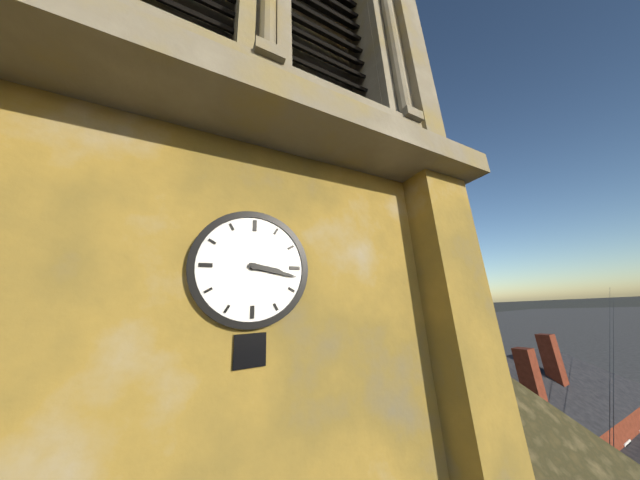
3:17
